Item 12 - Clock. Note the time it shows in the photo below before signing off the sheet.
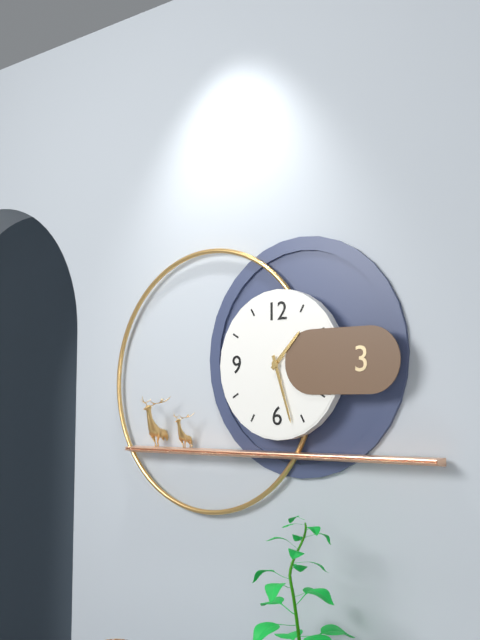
1:27
